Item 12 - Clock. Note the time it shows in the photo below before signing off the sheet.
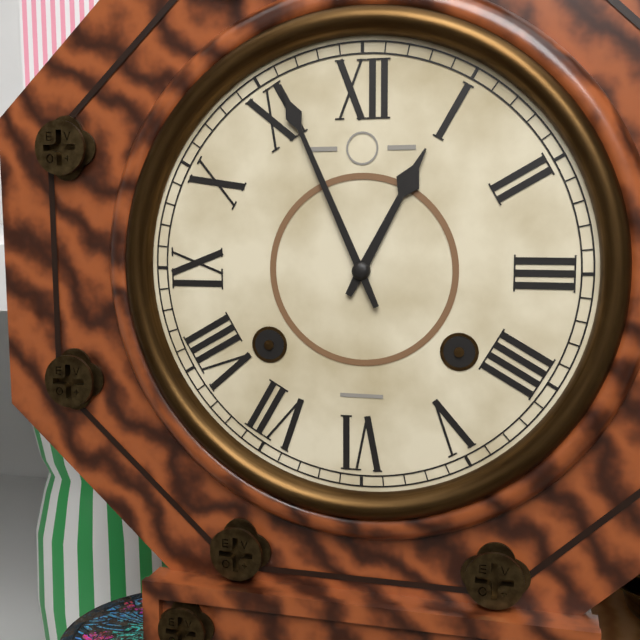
12:56
